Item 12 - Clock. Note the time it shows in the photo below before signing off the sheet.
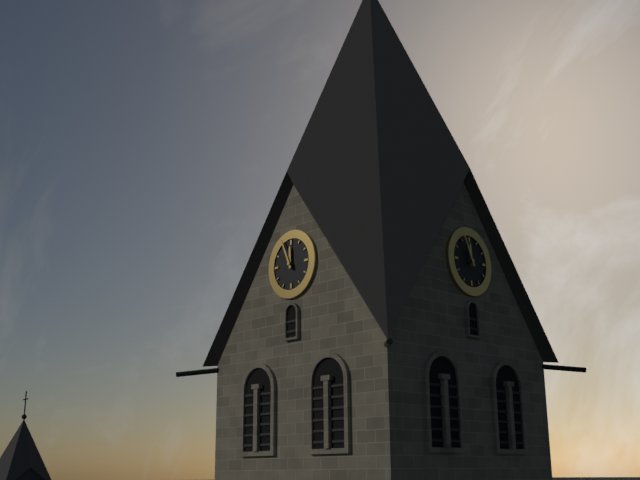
11:56
